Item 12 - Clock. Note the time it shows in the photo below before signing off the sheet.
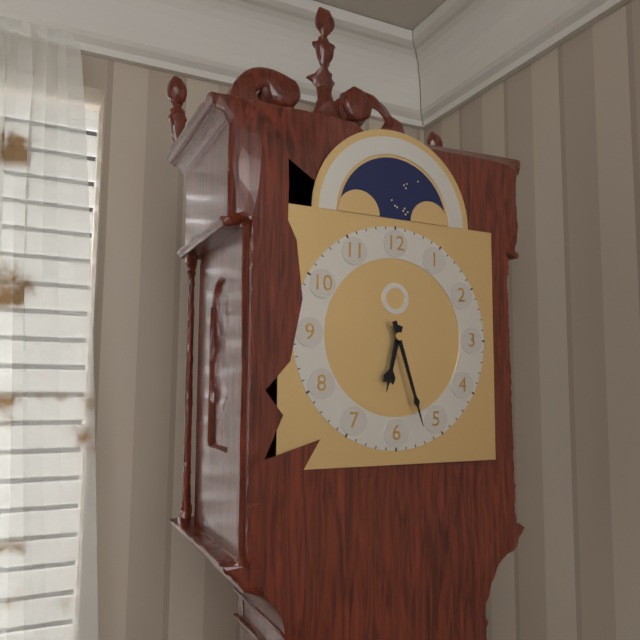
6:27
